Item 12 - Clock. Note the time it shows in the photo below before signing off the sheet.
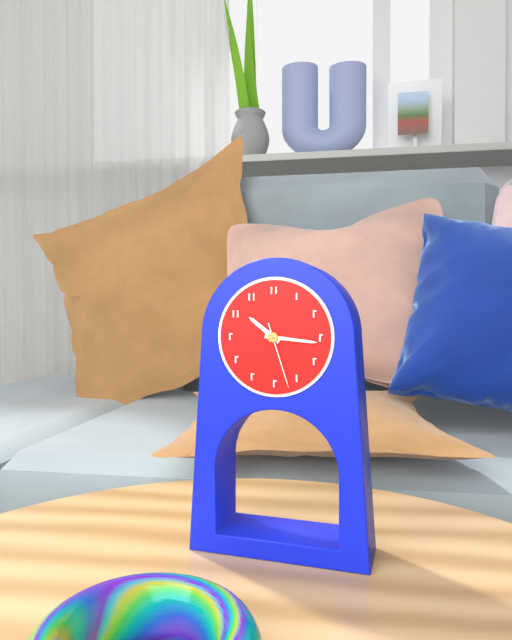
10:16:27
